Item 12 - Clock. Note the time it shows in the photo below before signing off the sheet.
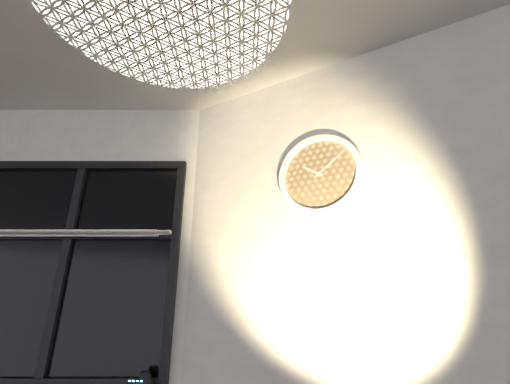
10:09
